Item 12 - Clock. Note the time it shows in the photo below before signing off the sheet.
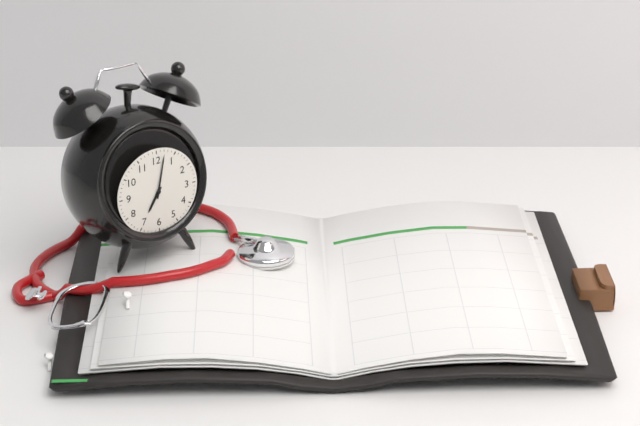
7:02
